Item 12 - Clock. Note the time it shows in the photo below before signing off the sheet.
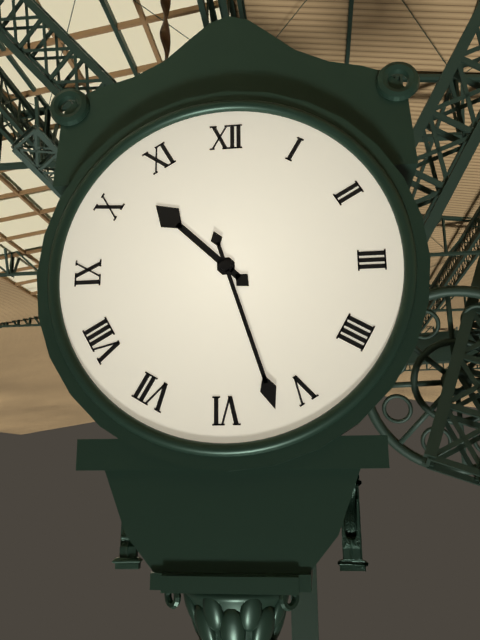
10:27
